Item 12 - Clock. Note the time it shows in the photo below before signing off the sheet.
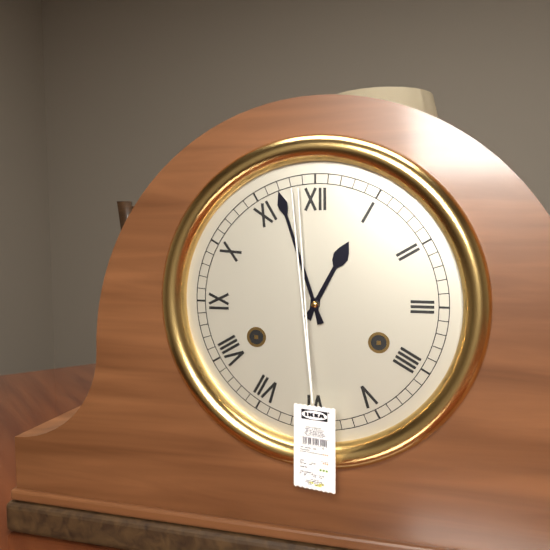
12:57
